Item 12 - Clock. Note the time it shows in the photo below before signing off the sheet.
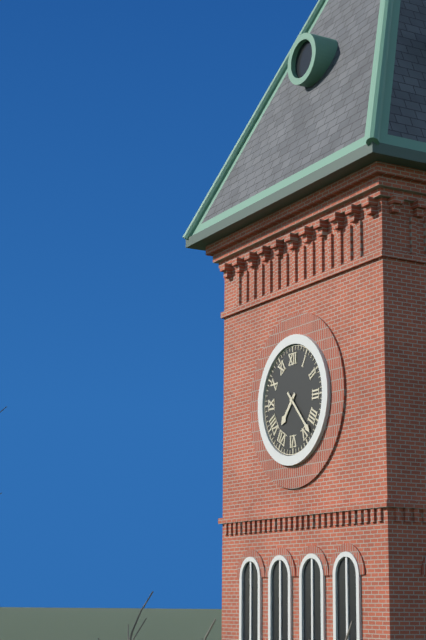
7:23
